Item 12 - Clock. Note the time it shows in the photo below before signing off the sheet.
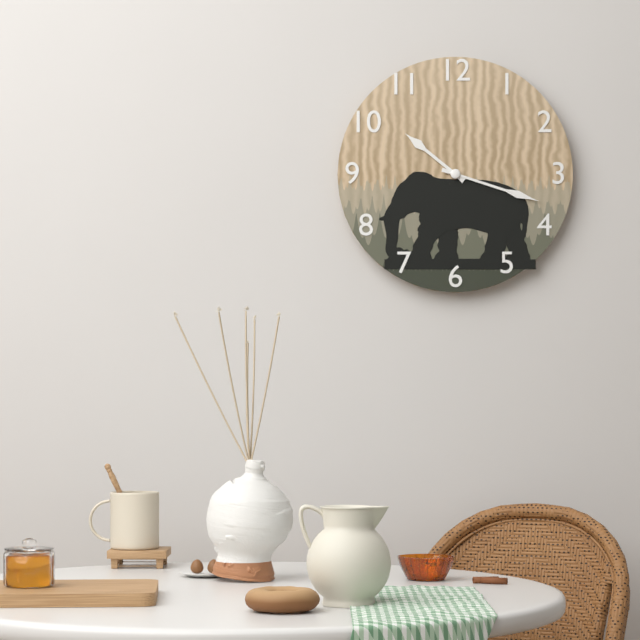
10:18
